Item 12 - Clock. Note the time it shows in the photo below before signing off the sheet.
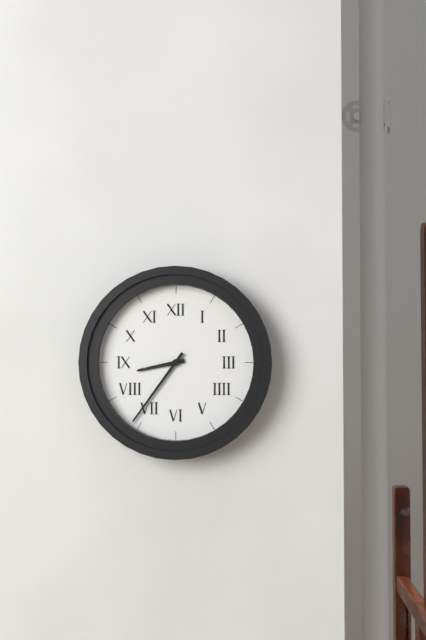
8:36
